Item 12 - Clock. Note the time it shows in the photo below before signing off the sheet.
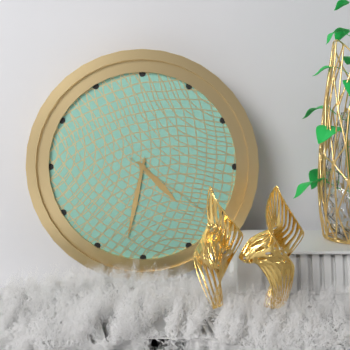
4:32:21
